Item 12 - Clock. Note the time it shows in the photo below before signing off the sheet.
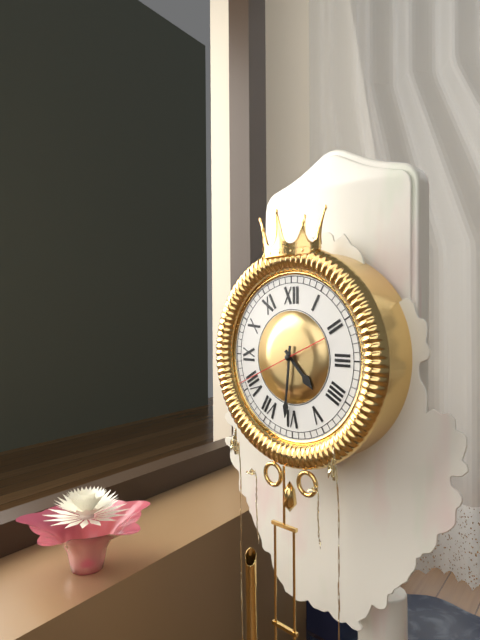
4:31:41
